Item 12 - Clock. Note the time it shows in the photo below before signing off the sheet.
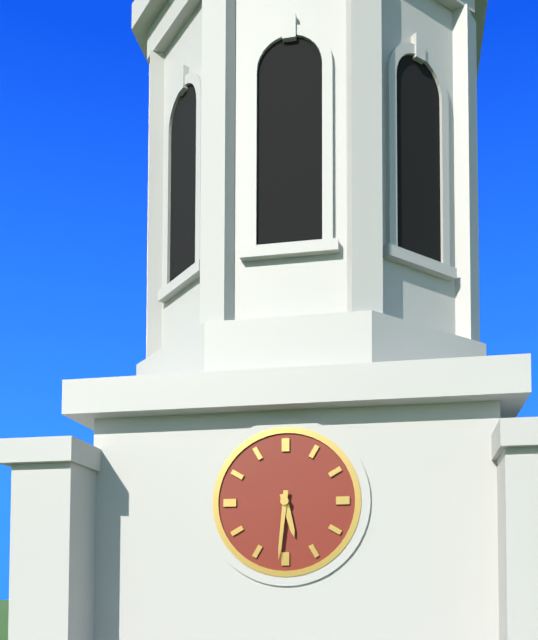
5:31
